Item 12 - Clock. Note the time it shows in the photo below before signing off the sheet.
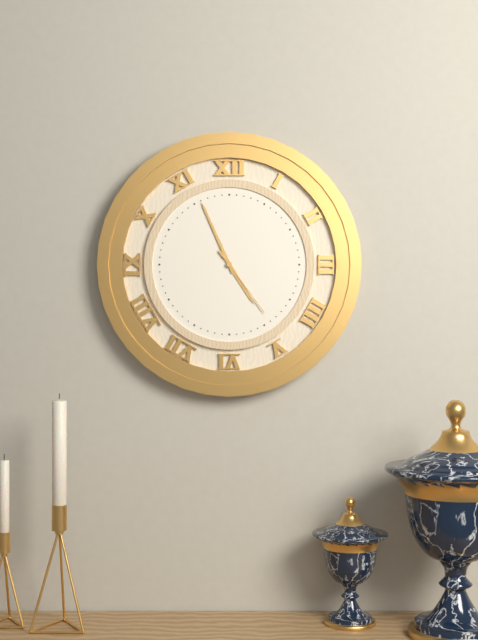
4:56:24
